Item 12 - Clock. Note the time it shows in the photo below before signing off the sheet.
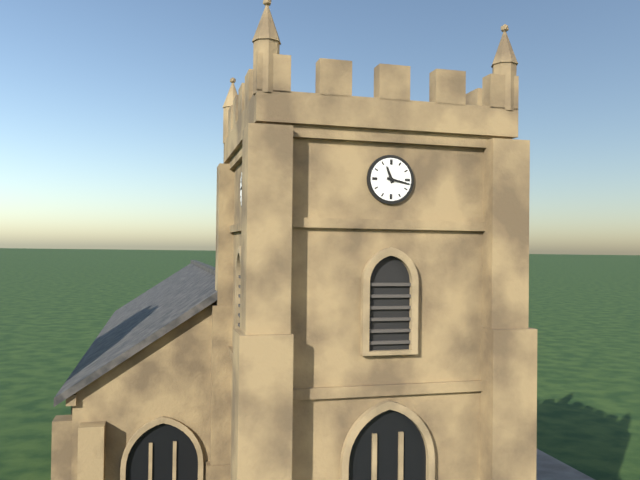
11:17
